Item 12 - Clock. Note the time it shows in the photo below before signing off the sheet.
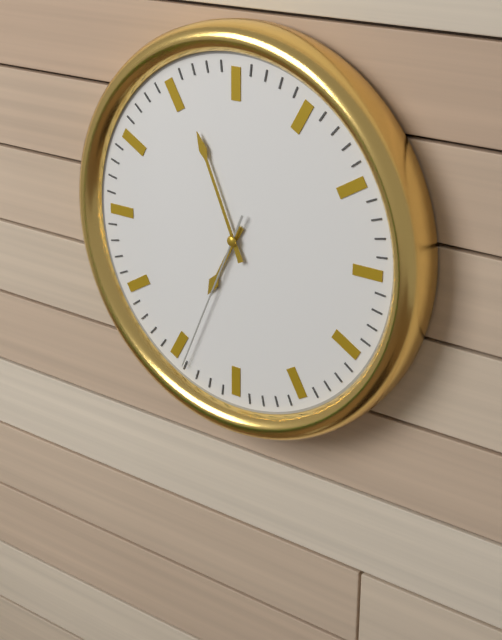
6:56:34
